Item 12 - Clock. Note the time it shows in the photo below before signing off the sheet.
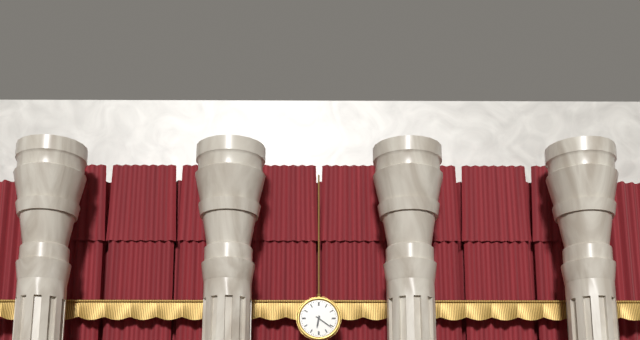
6:21
